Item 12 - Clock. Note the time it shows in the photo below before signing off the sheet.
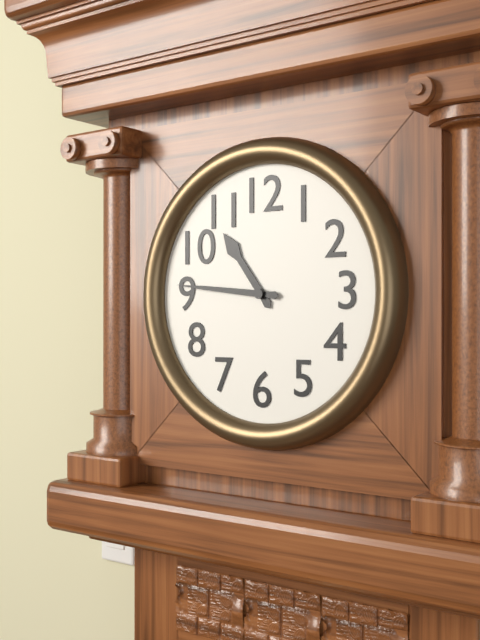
10:46
